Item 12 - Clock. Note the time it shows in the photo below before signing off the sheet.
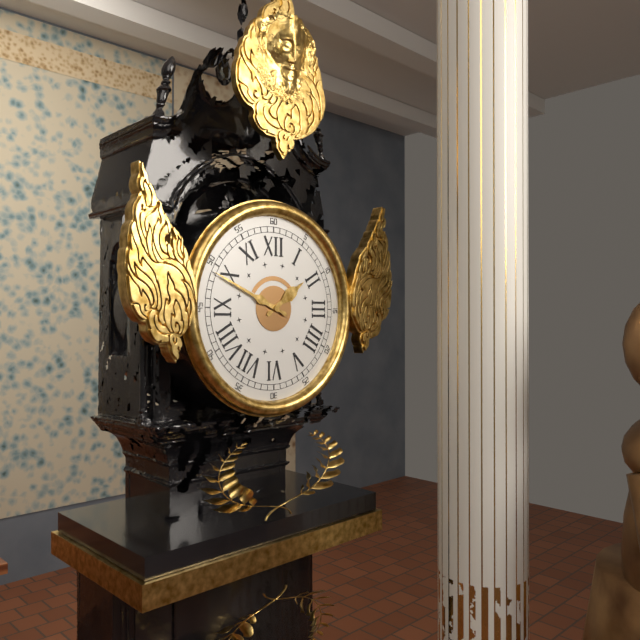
1:49
